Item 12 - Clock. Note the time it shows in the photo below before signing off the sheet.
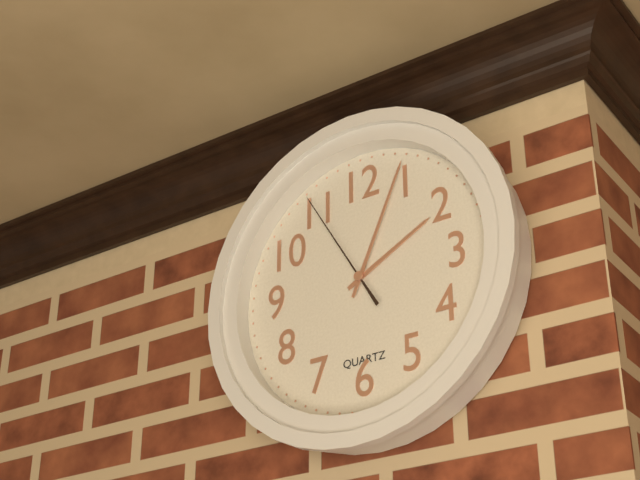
2:04:55
